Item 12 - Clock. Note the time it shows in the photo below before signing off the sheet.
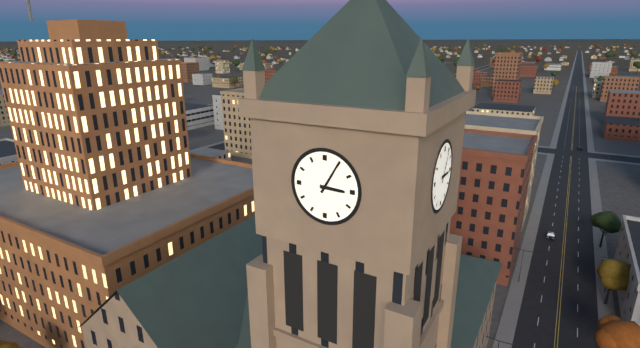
3:05
